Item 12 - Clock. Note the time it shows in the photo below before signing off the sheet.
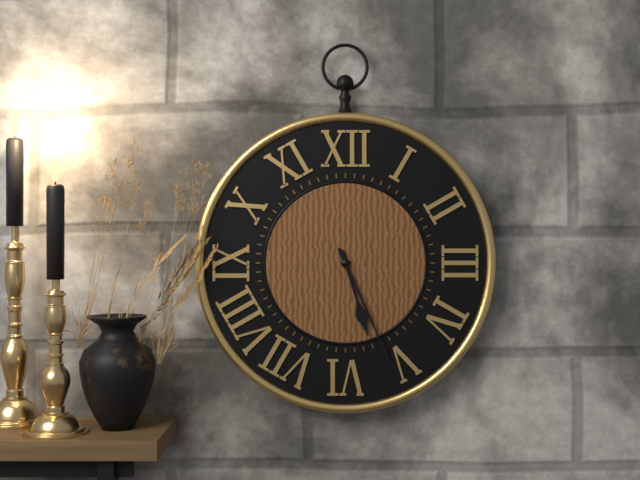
5:26
